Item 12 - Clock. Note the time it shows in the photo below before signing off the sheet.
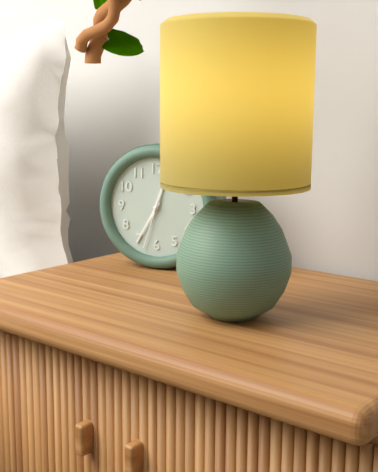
12:35:33
